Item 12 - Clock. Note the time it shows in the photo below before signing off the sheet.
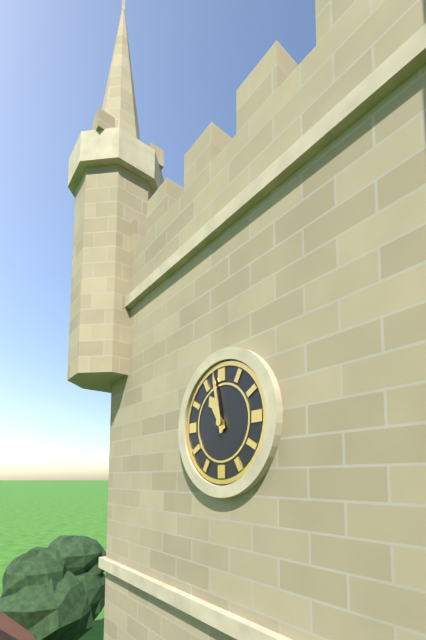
10:58
